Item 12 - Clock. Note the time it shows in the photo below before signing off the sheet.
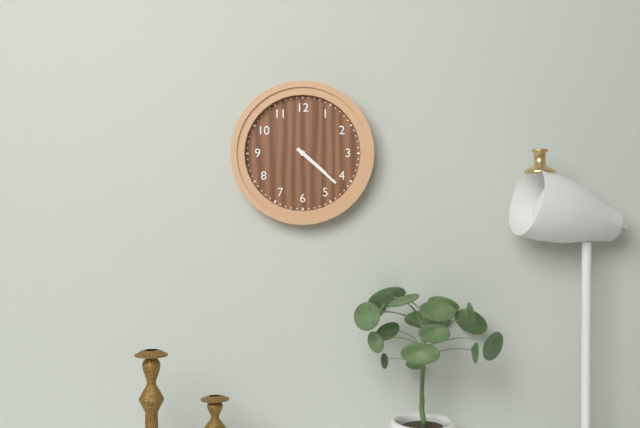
4:22
